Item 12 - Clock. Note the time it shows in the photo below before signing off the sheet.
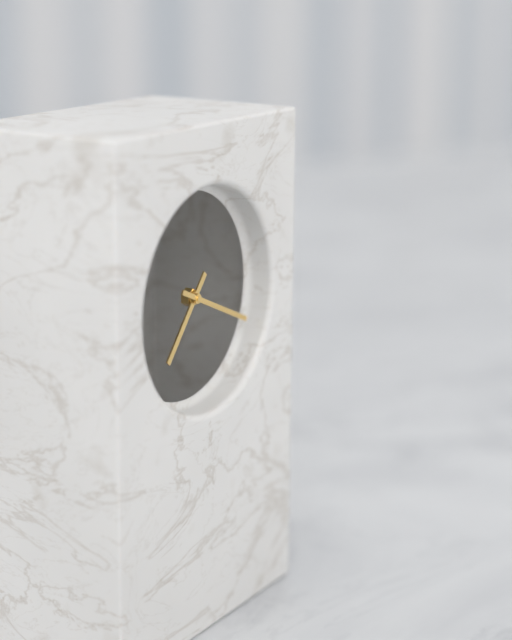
7:19
